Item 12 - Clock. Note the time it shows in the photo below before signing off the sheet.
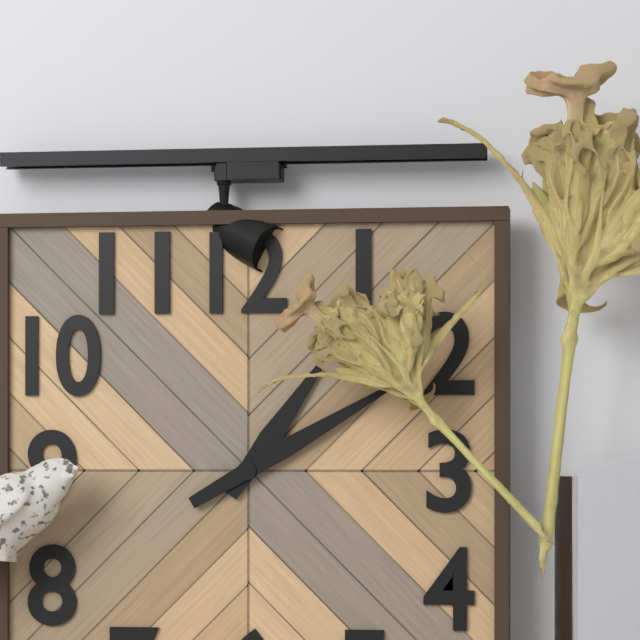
1:10
